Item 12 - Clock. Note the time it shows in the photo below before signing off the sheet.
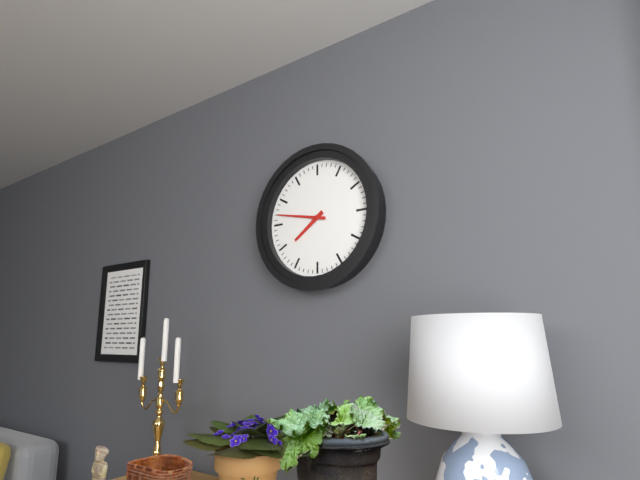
7:47
